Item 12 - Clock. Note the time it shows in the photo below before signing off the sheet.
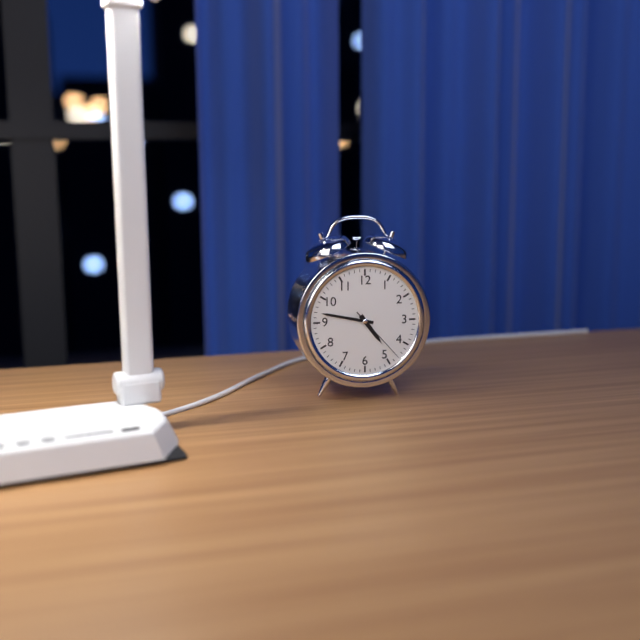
4:47:23
